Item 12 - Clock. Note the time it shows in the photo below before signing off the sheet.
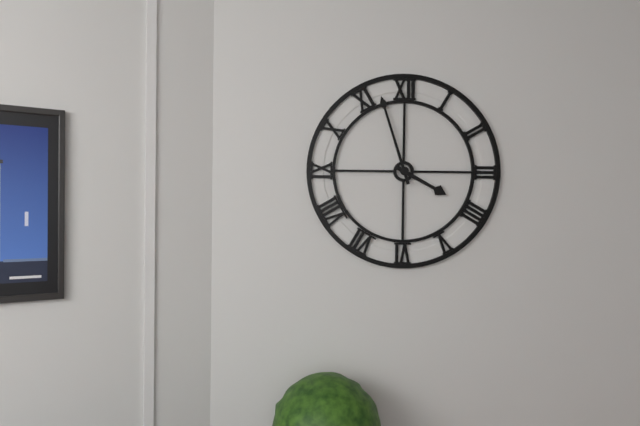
3:57
